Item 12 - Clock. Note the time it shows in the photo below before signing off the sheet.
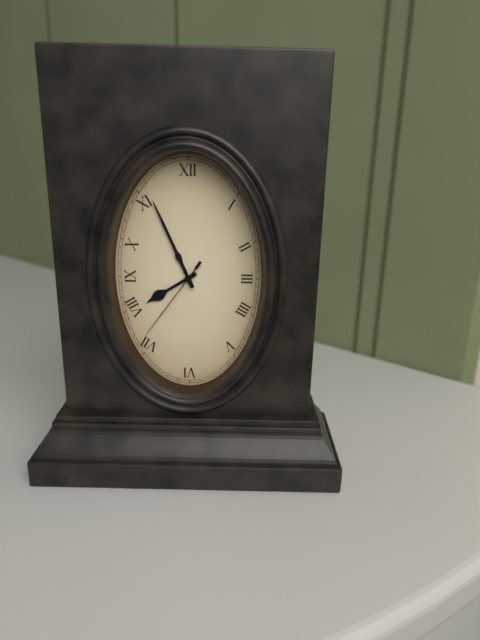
7:56:36
